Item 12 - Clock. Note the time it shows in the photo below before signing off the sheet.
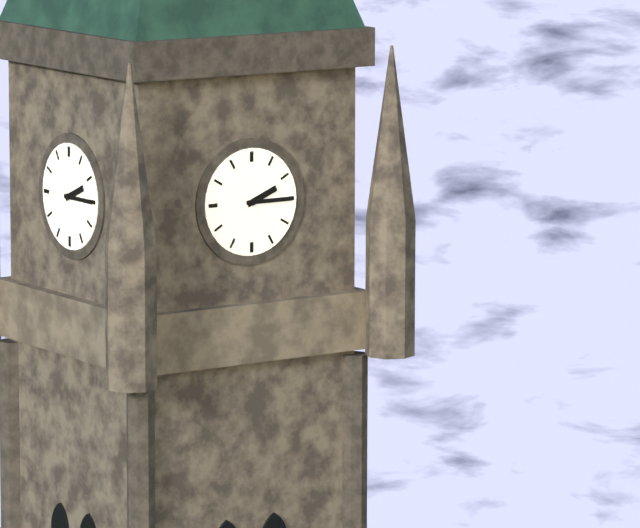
2:15
